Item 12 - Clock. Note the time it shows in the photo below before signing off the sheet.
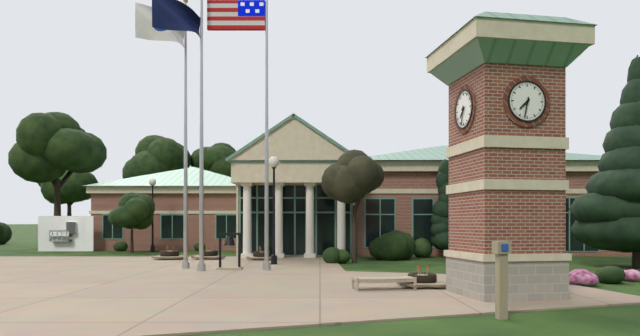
7:32
